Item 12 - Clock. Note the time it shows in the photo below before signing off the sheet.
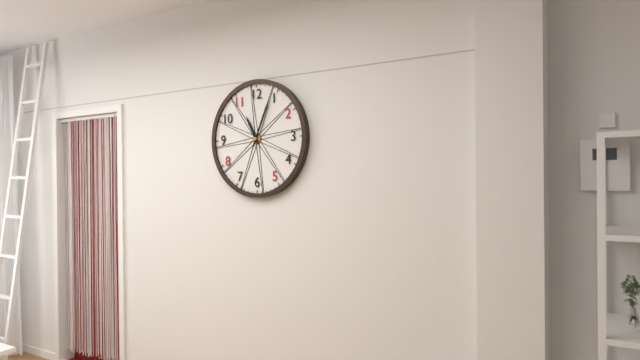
11:04
